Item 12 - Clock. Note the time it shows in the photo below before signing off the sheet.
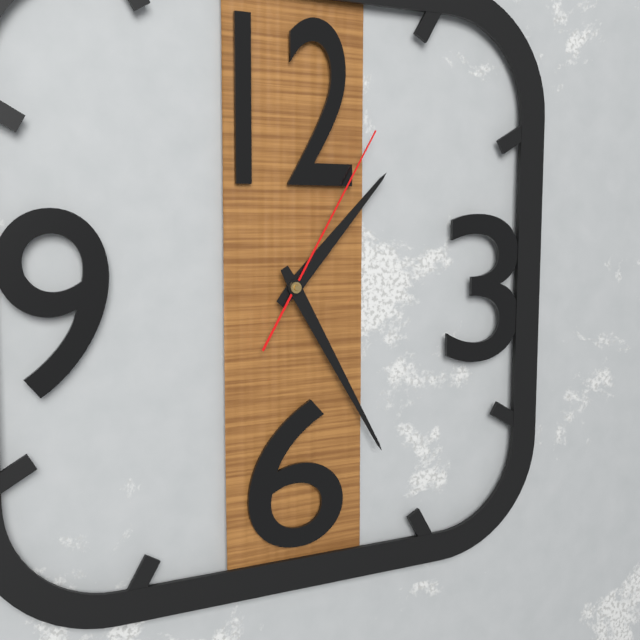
1:25:05
